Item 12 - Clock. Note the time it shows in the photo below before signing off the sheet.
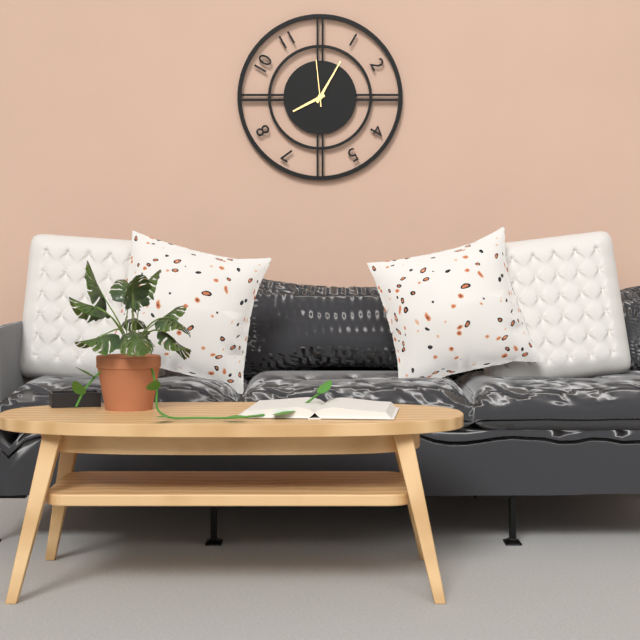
8:05
